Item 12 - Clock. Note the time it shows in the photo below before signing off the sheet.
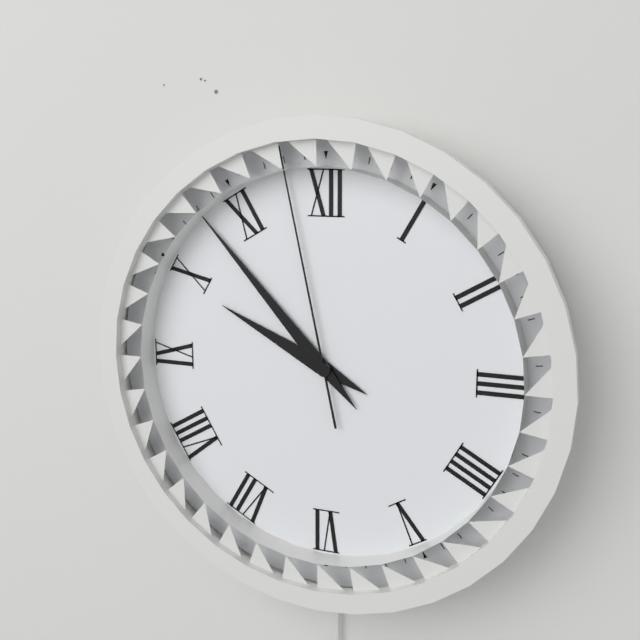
9:53:58
